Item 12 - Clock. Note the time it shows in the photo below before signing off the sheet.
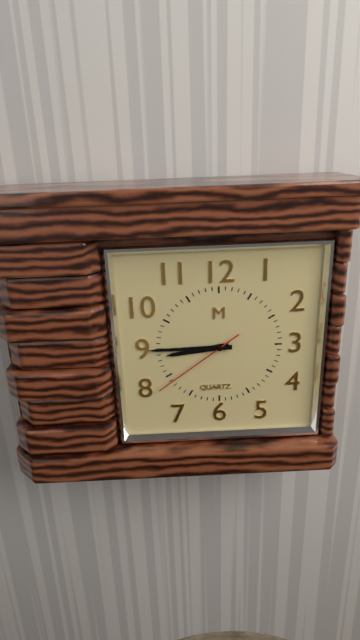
8:45:39
